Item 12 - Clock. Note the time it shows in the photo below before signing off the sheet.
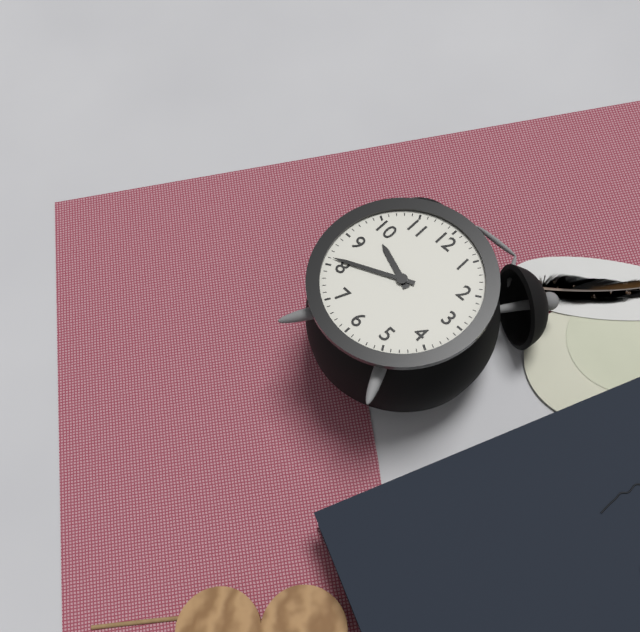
9:41
